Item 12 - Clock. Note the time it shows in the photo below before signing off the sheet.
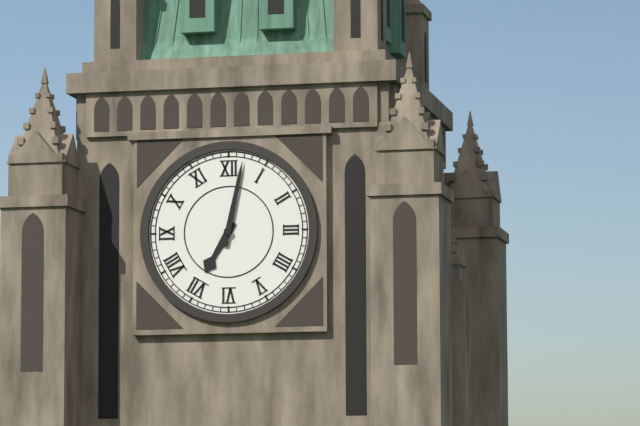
7:02
